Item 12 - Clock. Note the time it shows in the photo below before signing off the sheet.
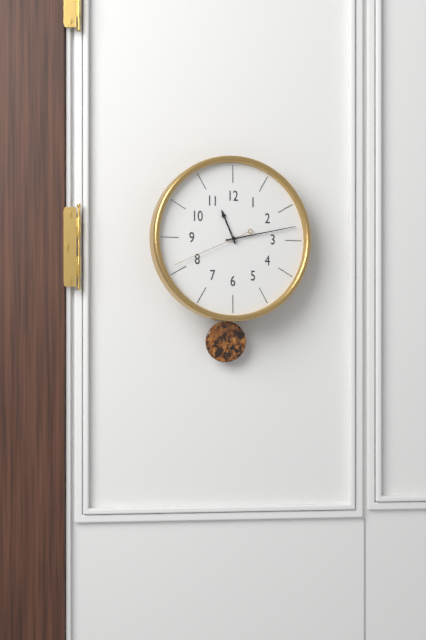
11:13:41
